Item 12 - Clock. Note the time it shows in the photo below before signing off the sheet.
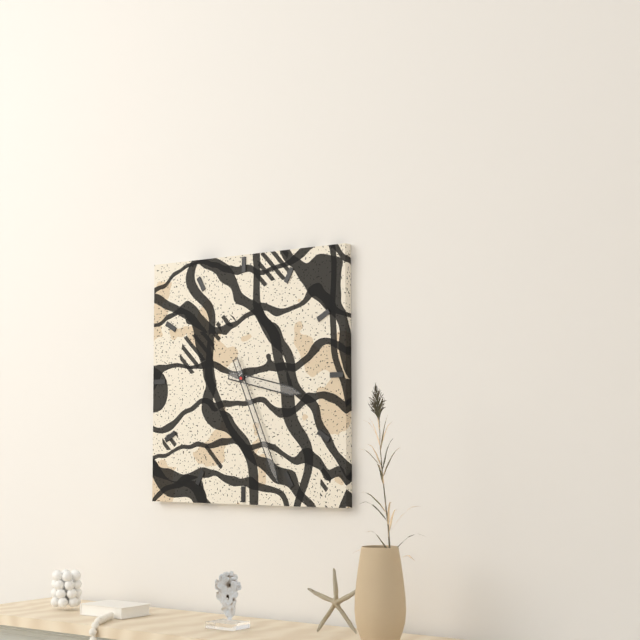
3:26
